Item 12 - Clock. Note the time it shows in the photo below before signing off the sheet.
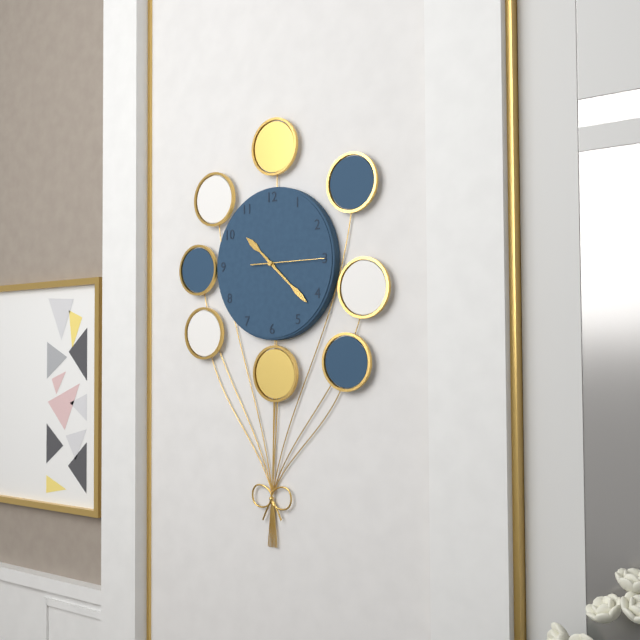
10:22:15
